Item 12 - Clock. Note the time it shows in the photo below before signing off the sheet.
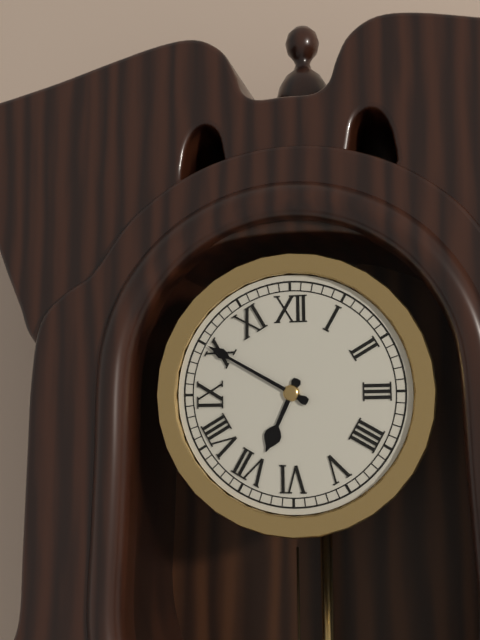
6:50
